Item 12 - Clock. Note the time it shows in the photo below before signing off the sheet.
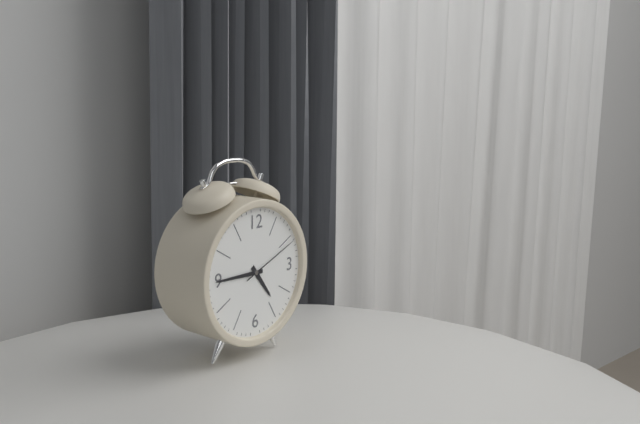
4:45:11
